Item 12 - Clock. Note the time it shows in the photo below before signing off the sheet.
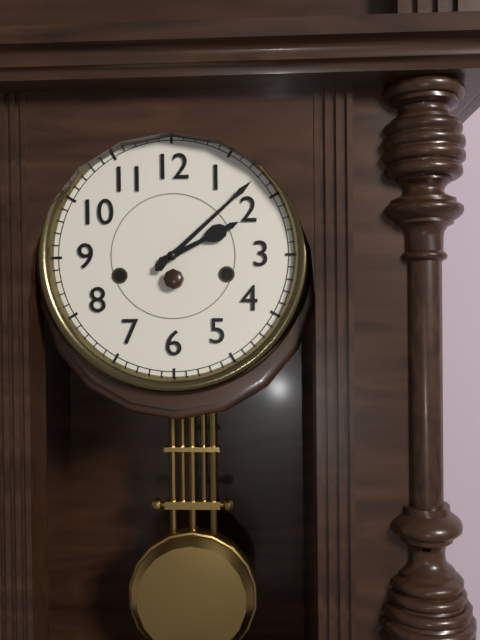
2:08
